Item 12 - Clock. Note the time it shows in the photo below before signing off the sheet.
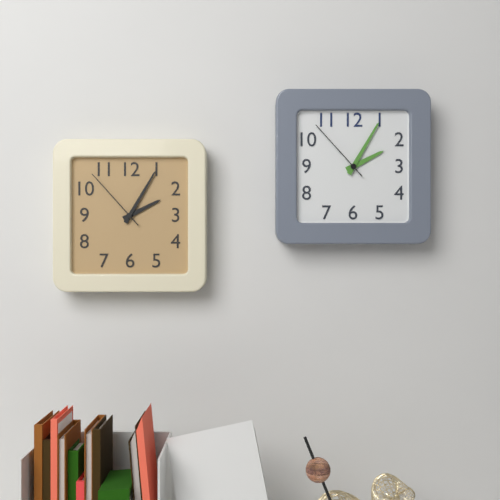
2:05:53
